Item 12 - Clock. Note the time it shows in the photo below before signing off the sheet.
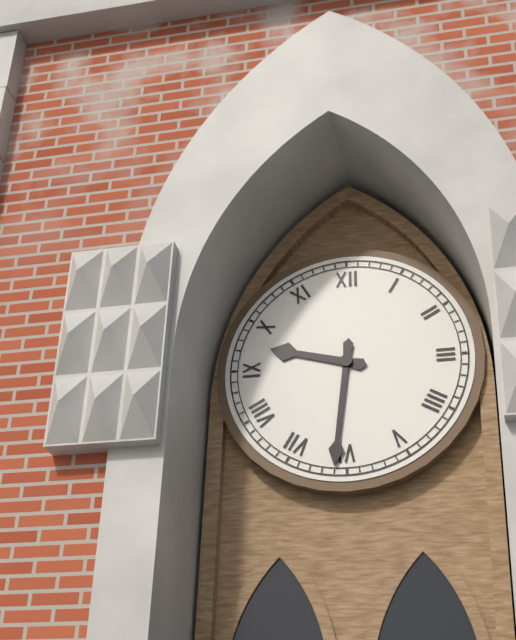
9:31
